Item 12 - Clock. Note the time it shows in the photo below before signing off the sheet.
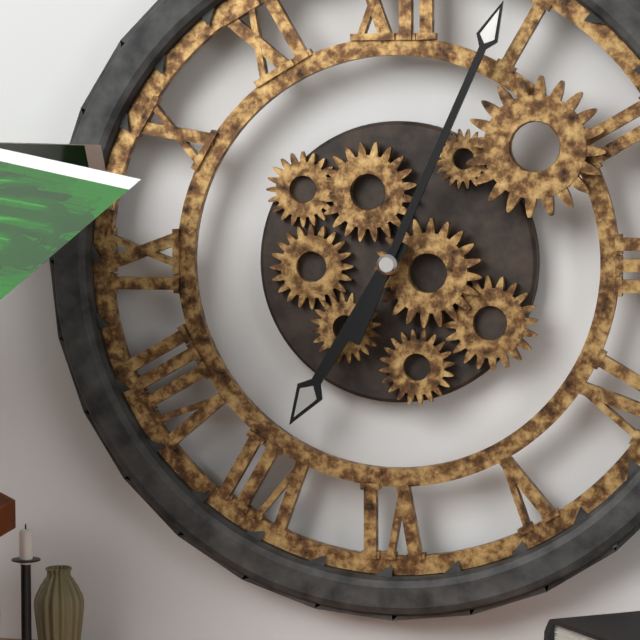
7:04
